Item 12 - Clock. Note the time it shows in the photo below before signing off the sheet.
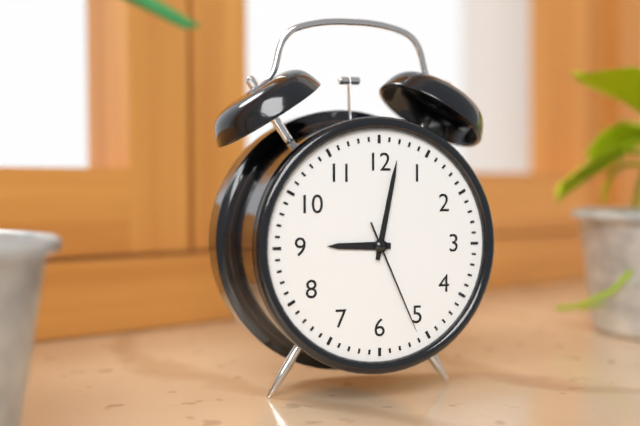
9:02:26
